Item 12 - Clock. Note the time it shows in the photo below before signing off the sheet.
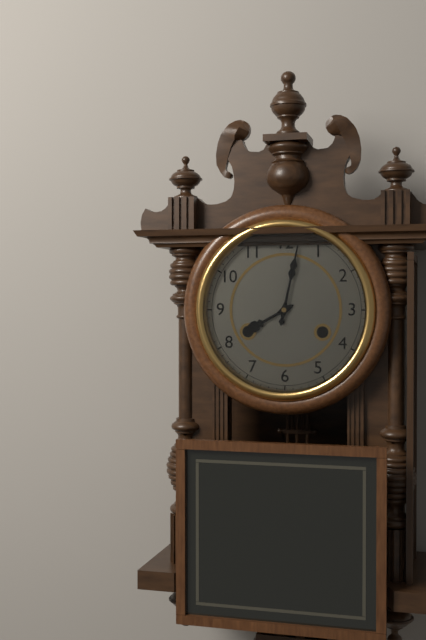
8:02
